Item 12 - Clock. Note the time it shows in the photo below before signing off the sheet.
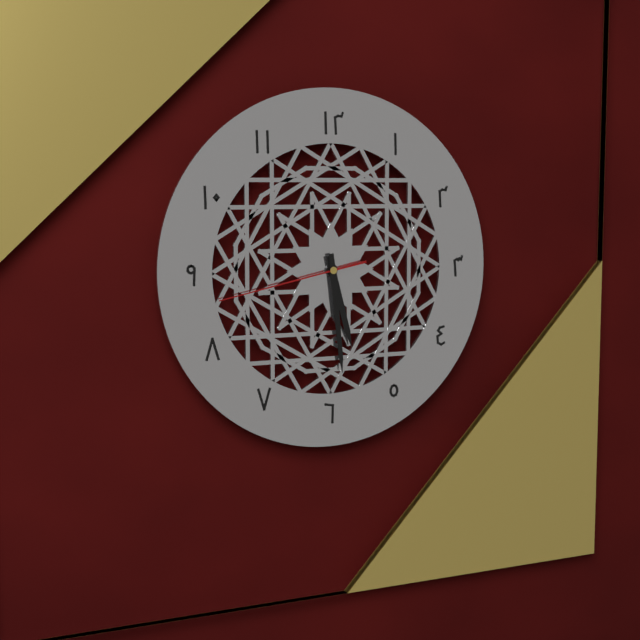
5:29:43
